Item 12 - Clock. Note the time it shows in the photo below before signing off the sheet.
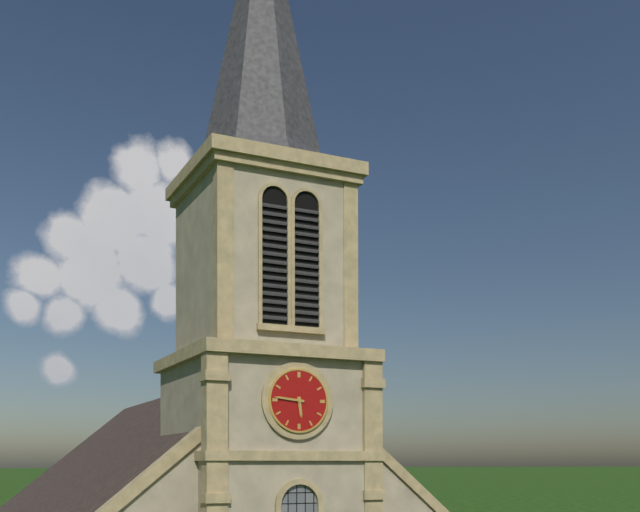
5:46
